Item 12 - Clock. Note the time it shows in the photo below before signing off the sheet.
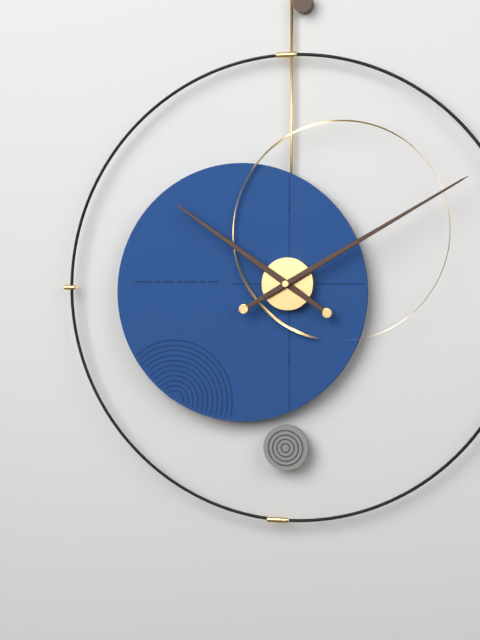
10:10
